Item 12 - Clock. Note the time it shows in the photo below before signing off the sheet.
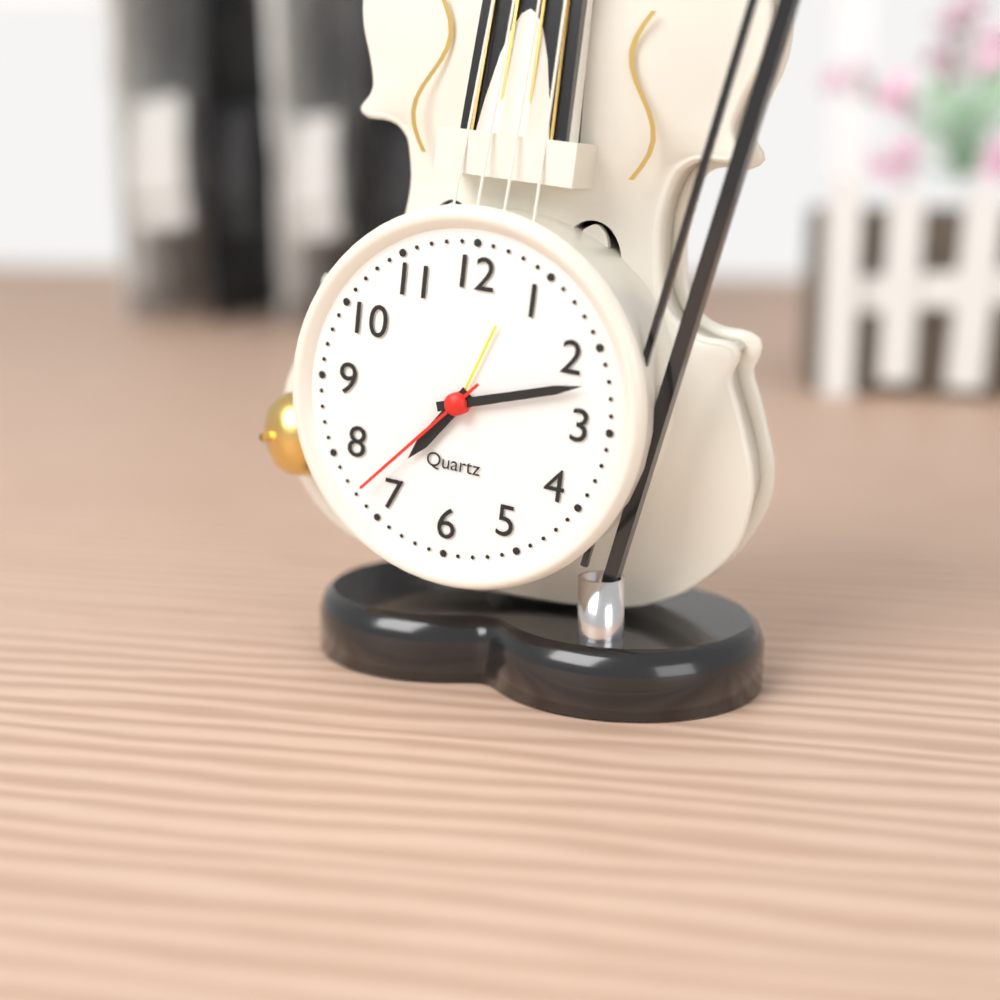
7:12:37
